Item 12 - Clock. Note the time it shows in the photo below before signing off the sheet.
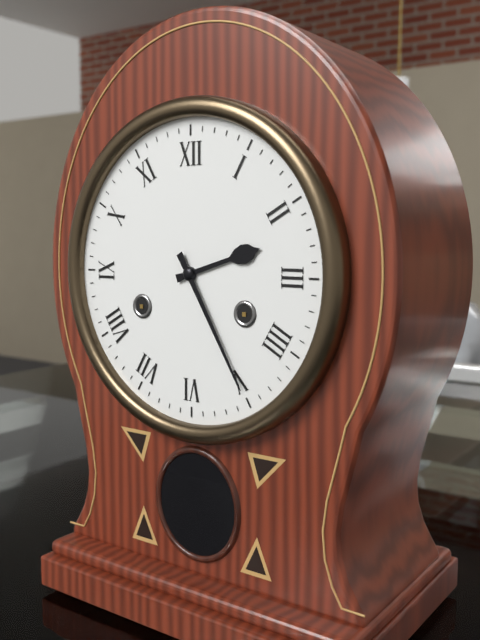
2:25
